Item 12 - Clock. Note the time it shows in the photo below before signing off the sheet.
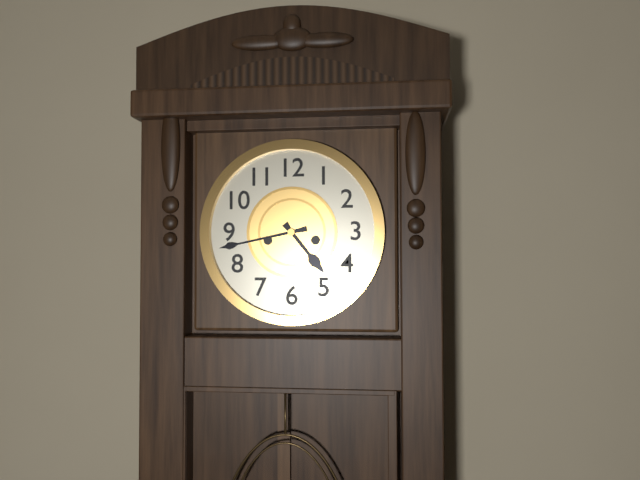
4:43
